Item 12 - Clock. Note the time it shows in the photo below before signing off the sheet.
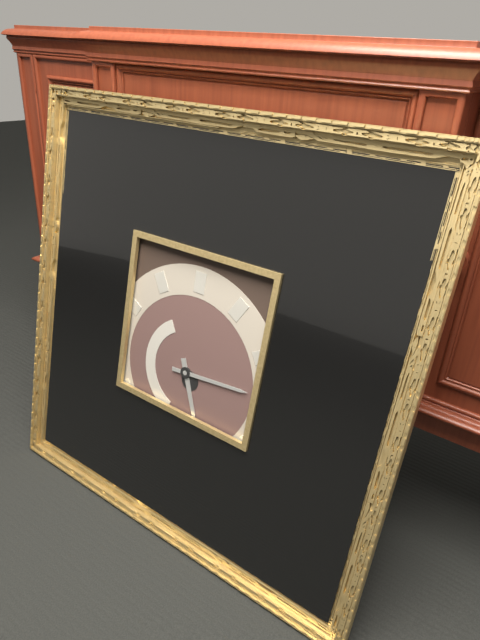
5:14
